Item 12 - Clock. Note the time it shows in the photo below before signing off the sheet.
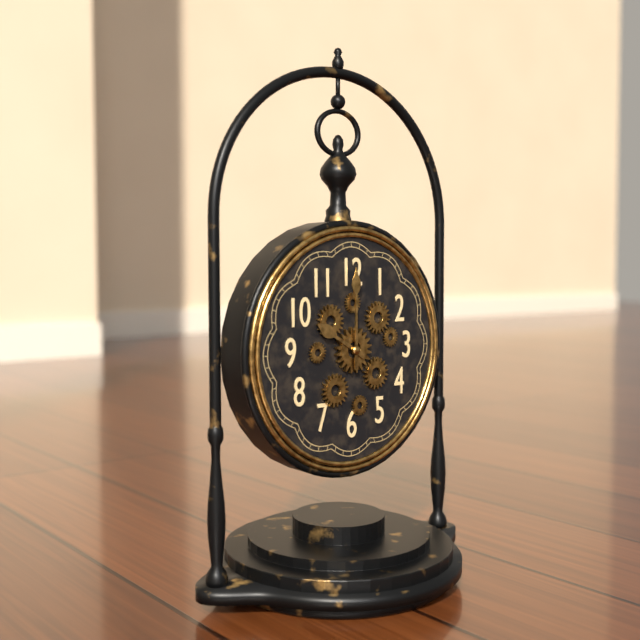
10:00
